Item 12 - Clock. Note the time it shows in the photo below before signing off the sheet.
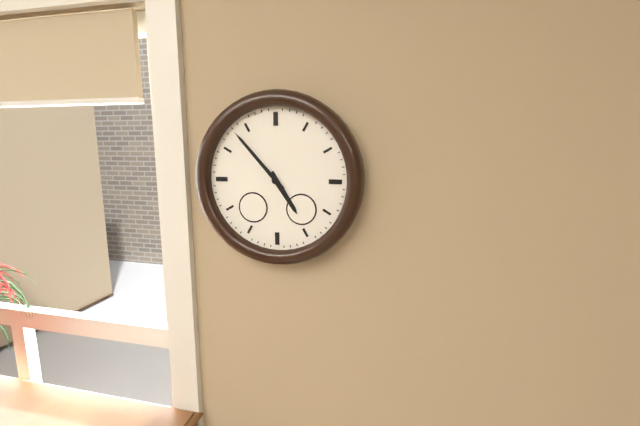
4:53
